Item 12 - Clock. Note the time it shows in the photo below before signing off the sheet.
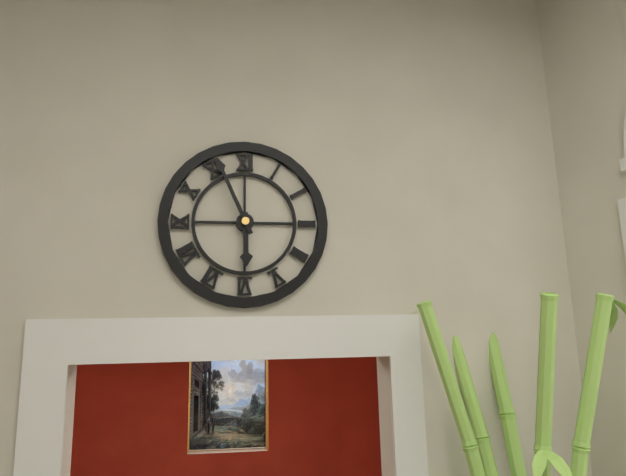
5:56
